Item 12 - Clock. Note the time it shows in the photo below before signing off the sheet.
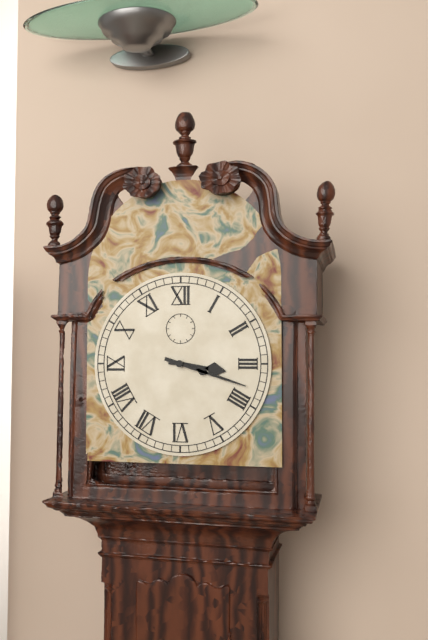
3:18
